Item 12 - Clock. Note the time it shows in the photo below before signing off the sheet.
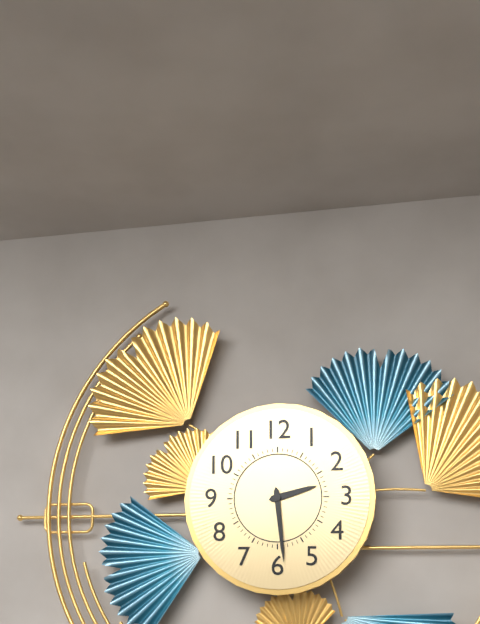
2:29
